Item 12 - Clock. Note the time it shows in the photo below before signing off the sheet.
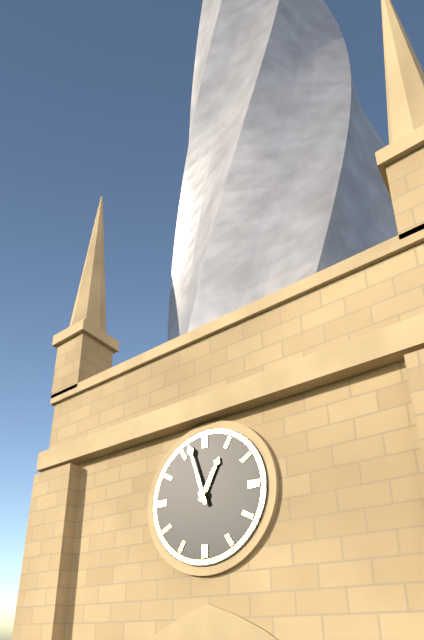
12:57
